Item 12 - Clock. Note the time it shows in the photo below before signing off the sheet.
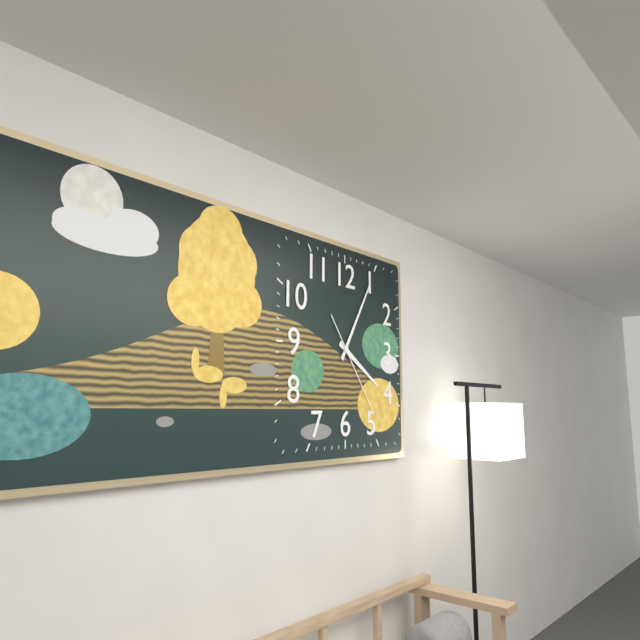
4:05:24
